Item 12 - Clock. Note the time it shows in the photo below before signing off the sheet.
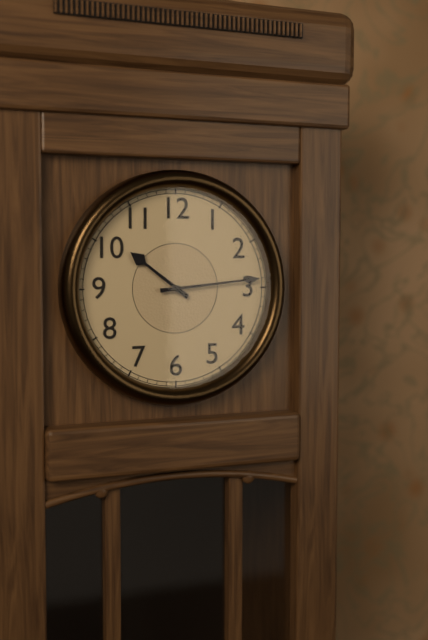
10:14
